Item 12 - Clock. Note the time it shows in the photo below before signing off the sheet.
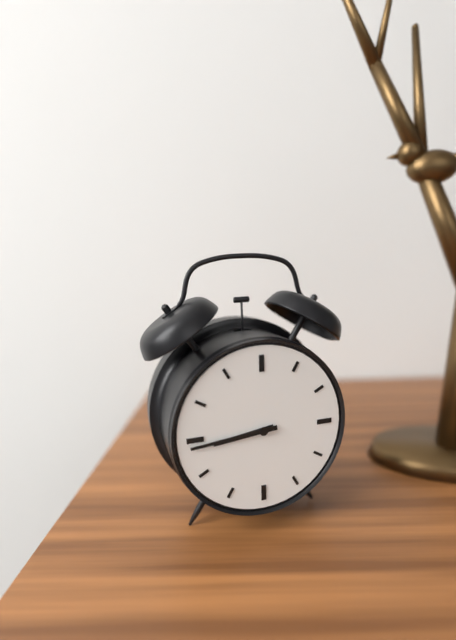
8:44
